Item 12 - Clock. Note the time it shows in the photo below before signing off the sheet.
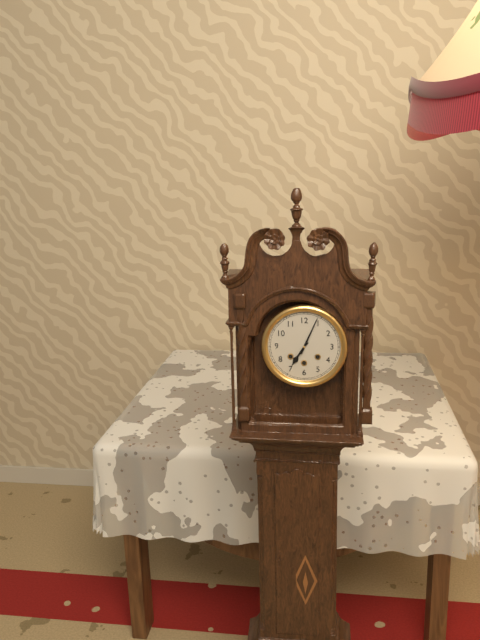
7:04
